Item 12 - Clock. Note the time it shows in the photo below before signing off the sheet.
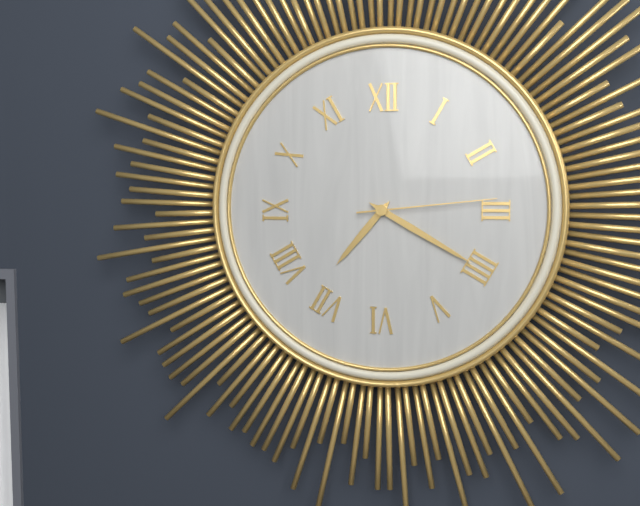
7:20:14
